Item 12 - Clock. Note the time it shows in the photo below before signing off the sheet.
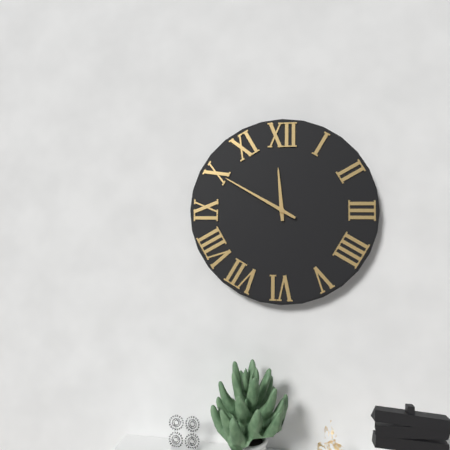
11:50
